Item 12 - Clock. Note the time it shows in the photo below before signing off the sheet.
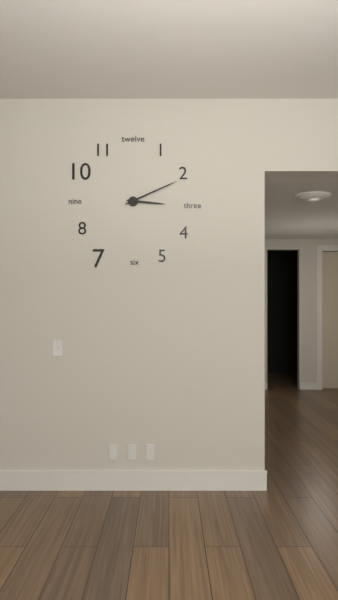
3:11
